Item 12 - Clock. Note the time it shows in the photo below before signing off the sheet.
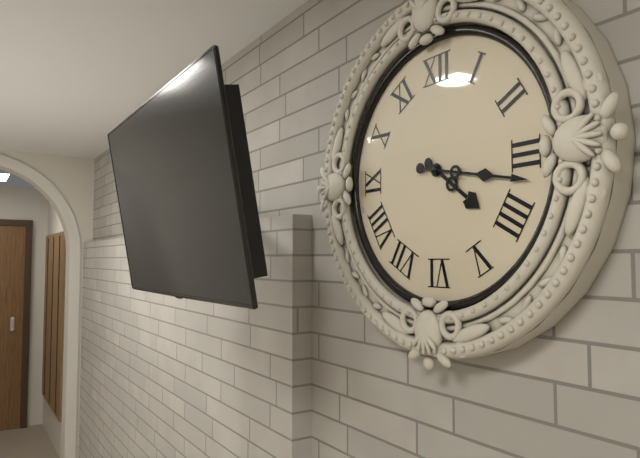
4:17
